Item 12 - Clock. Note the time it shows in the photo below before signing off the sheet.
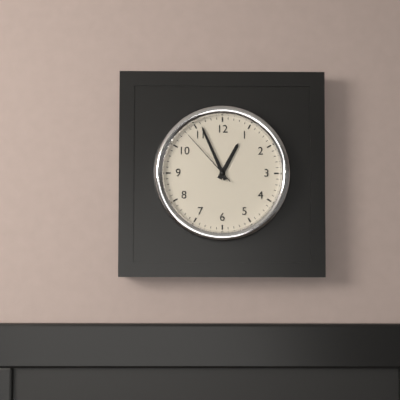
12:56:53
